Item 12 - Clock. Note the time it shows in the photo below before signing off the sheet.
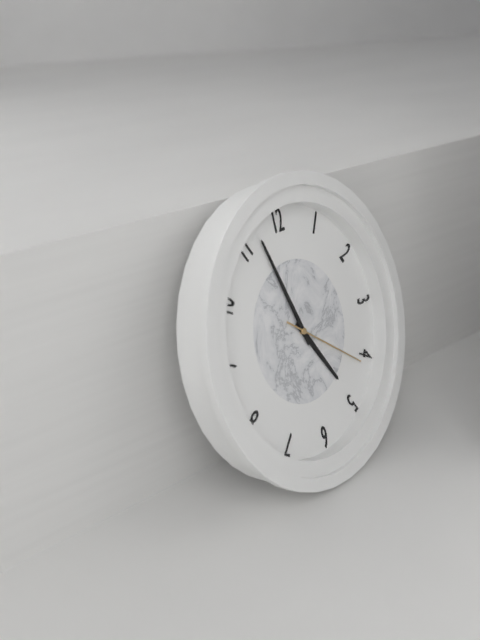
4:57:21
